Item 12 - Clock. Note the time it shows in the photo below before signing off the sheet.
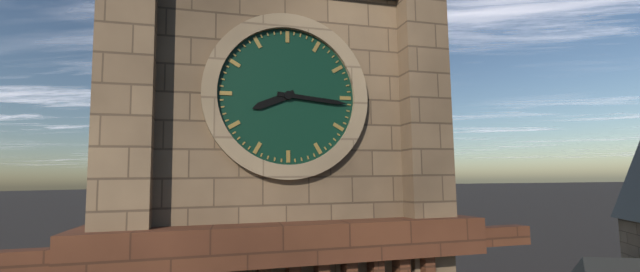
8:16
